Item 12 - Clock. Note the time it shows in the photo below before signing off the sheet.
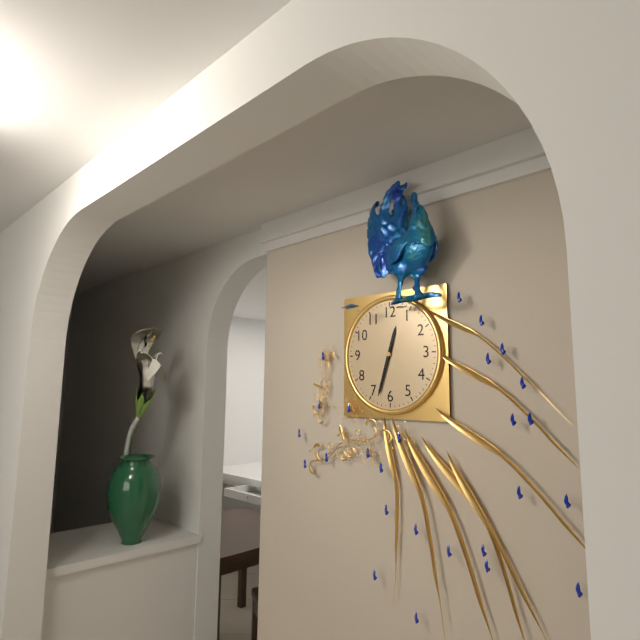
12:33
